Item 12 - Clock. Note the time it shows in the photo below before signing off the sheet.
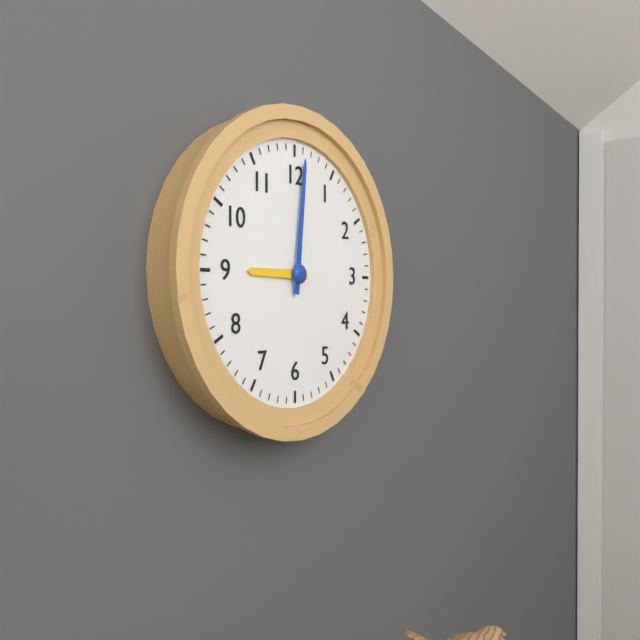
9:01
